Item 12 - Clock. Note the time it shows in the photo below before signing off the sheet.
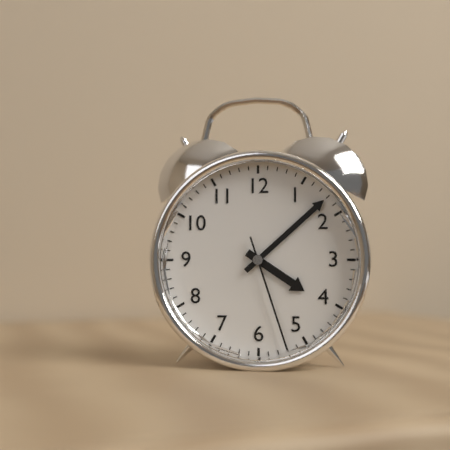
4:08:27
